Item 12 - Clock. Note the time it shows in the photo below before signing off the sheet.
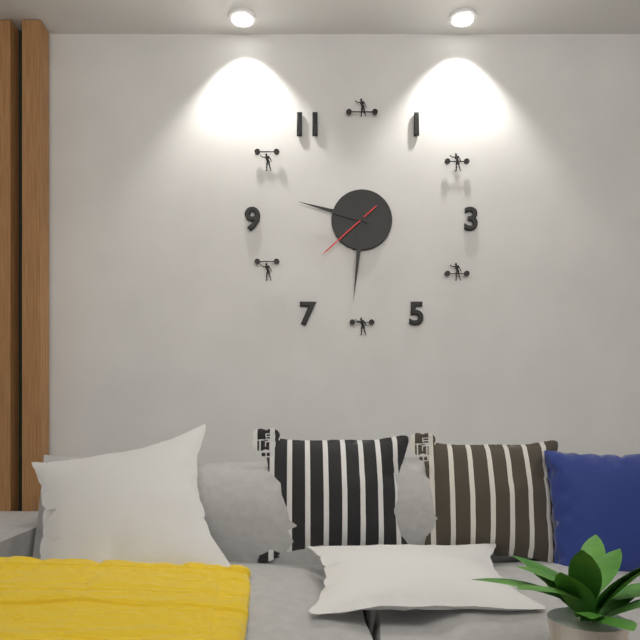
9:31:38
